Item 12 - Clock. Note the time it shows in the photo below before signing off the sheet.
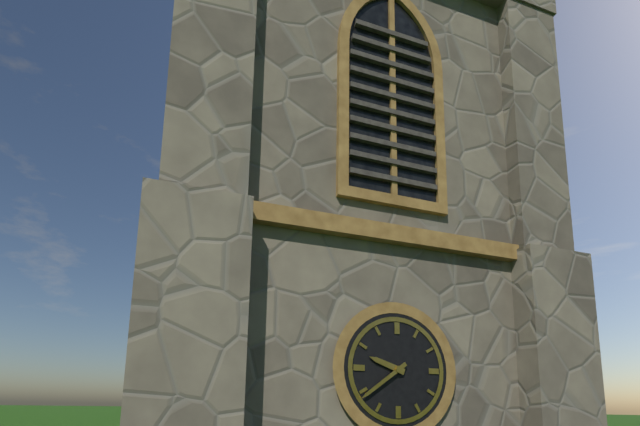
9:39
